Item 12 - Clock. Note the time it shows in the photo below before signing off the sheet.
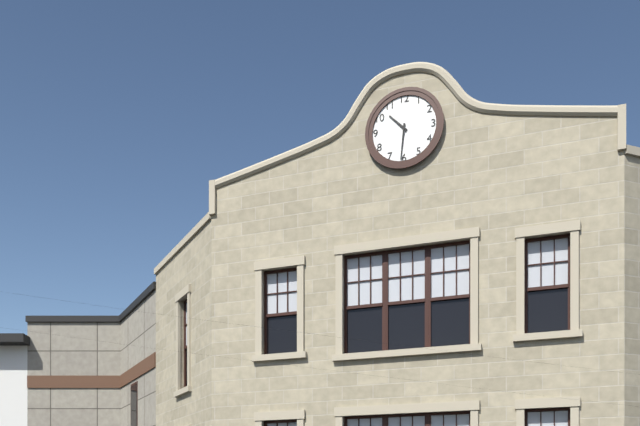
10:31
